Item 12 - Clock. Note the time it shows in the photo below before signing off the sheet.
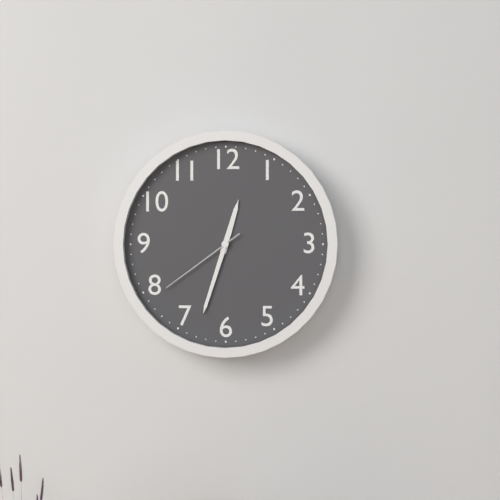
12:33:39
